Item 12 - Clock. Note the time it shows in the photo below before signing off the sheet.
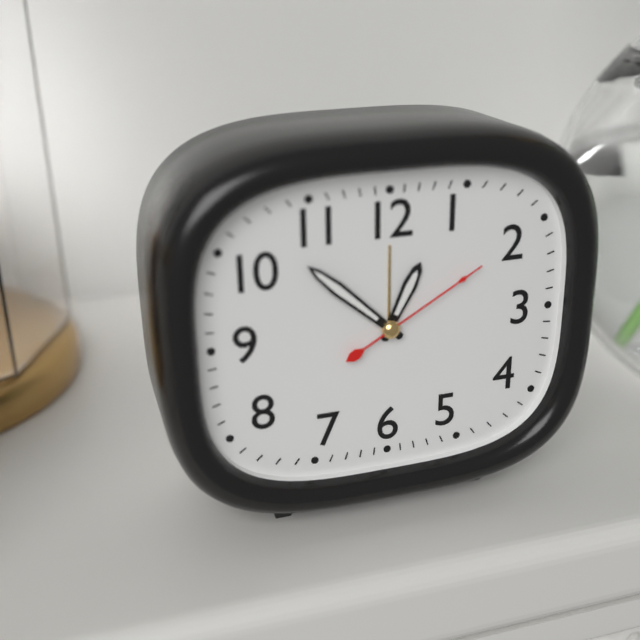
12:52:10
